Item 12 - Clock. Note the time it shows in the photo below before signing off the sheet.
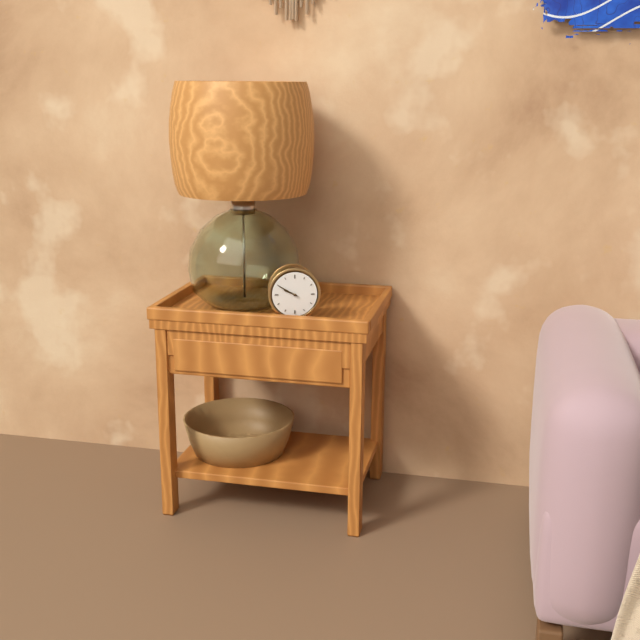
9:50
